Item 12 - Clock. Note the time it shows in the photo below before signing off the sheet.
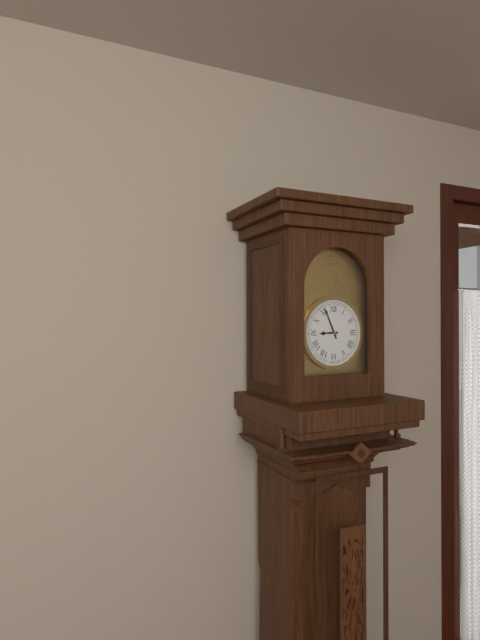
8:56
